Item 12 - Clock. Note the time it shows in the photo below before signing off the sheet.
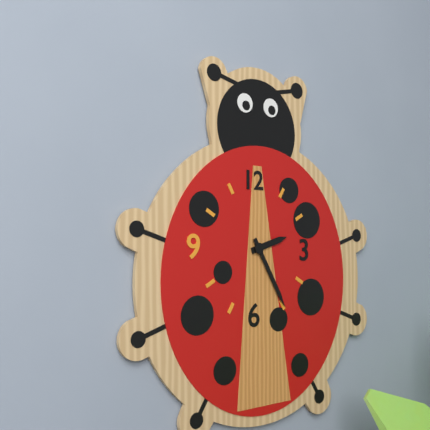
2:25
